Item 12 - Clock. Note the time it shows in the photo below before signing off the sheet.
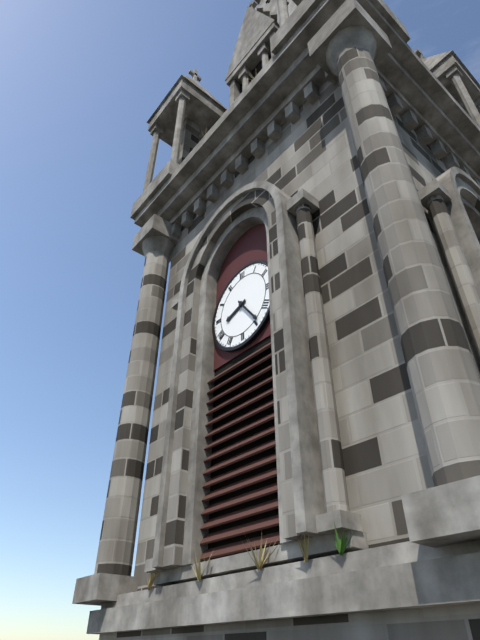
8:24
